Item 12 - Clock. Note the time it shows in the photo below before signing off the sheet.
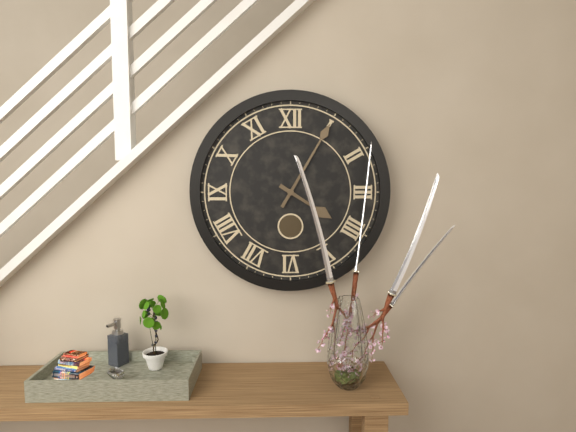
4:05
